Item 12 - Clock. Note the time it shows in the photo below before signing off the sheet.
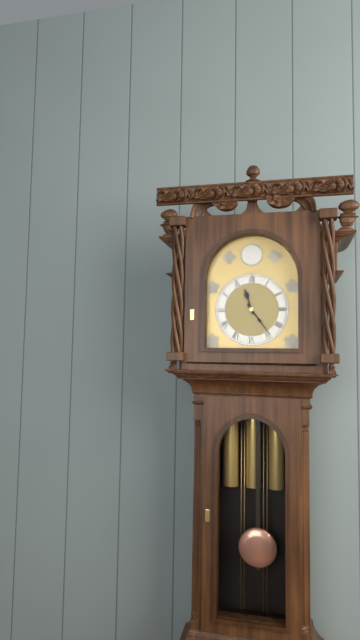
11:24
